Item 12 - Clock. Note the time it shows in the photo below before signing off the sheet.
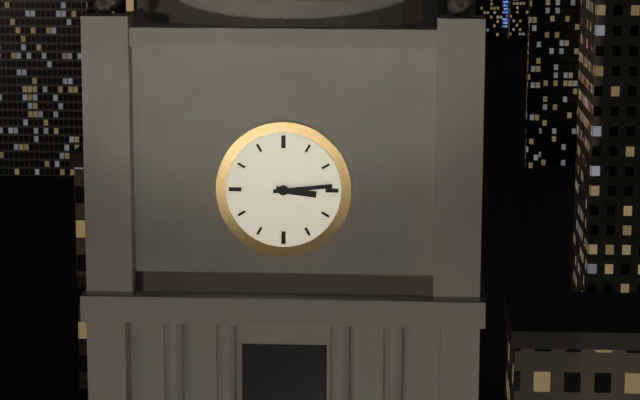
3:14
